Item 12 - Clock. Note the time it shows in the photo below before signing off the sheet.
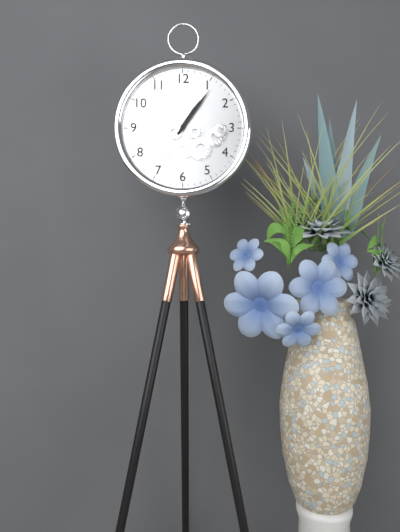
1:06
